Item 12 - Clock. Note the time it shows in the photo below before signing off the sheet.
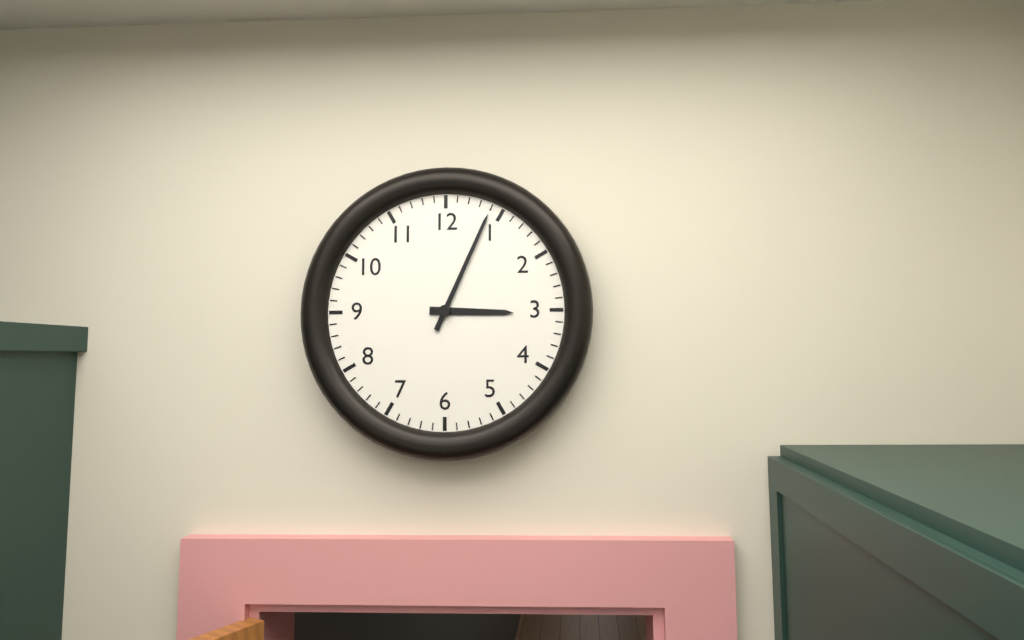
3:04
